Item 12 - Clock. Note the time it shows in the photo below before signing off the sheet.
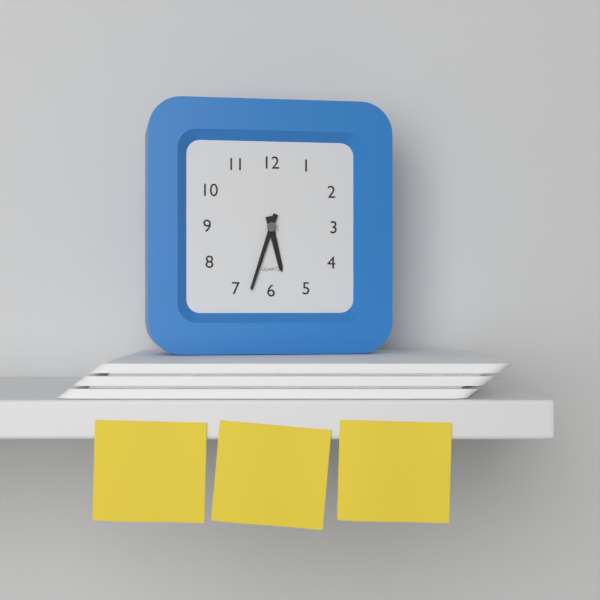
5:33
